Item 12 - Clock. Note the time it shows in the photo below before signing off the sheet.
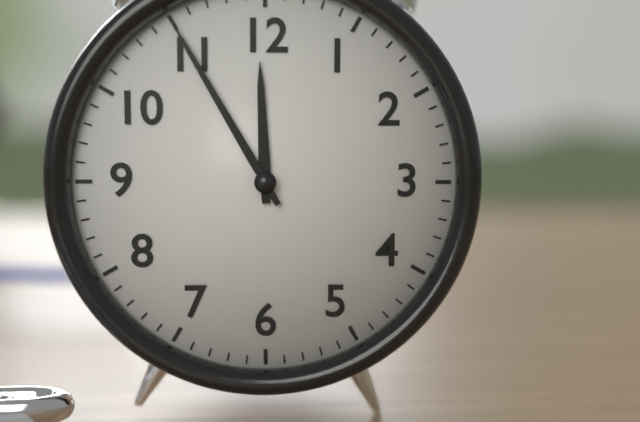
11:55
